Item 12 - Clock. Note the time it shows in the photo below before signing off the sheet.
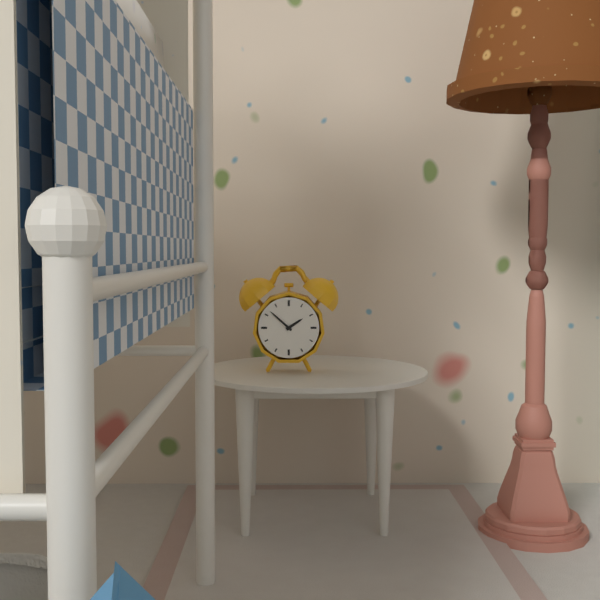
1:52
